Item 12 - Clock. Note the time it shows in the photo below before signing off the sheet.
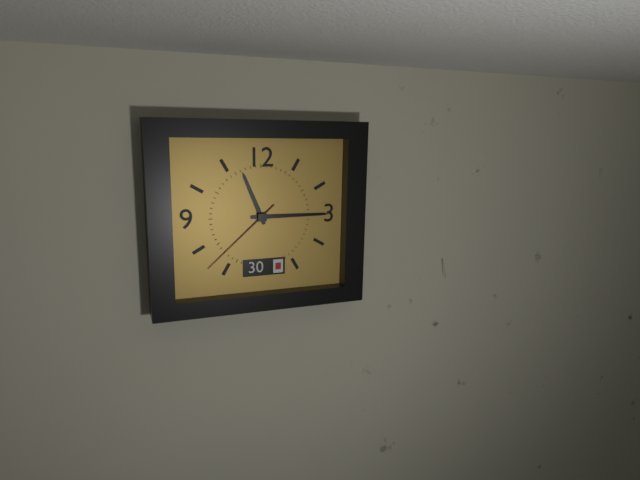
11:15:38
